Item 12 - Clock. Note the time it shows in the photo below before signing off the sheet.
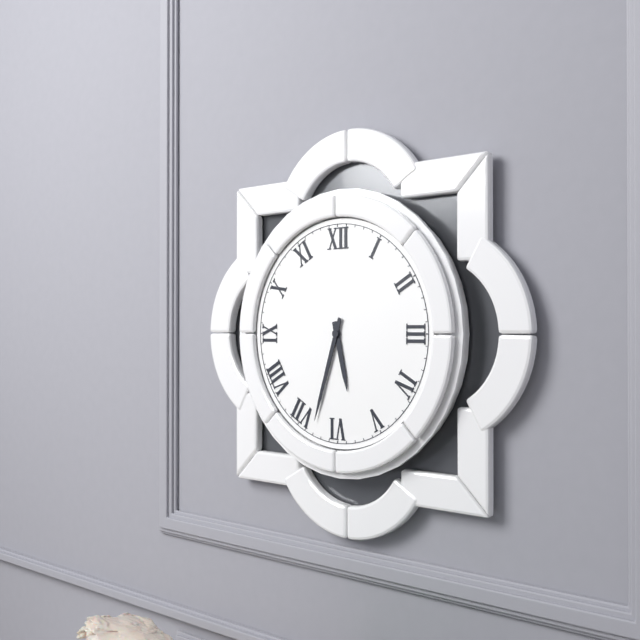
5:33
